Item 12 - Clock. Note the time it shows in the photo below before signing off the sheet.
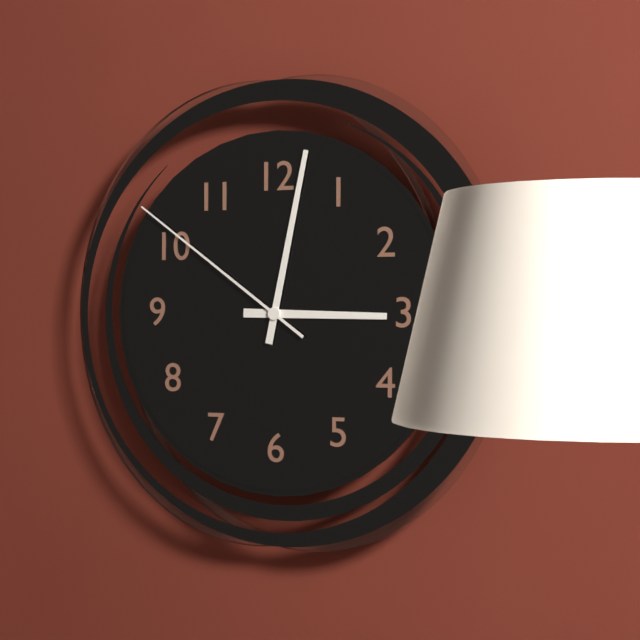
3:02:51
